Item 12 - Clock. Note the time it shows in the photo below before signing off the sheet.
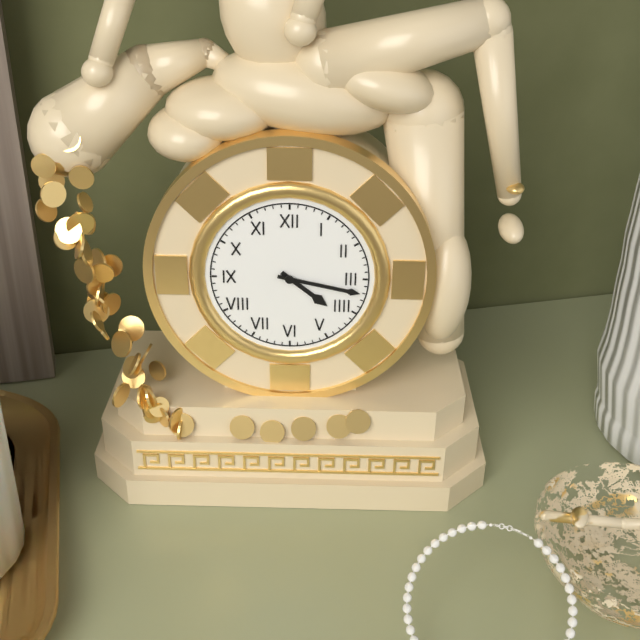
4:17
